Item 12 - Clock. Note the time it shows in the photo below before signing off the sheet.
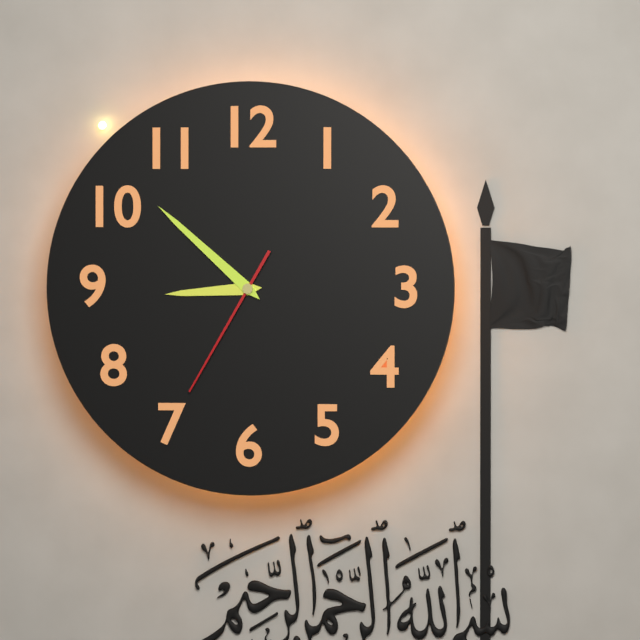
8:52:35
